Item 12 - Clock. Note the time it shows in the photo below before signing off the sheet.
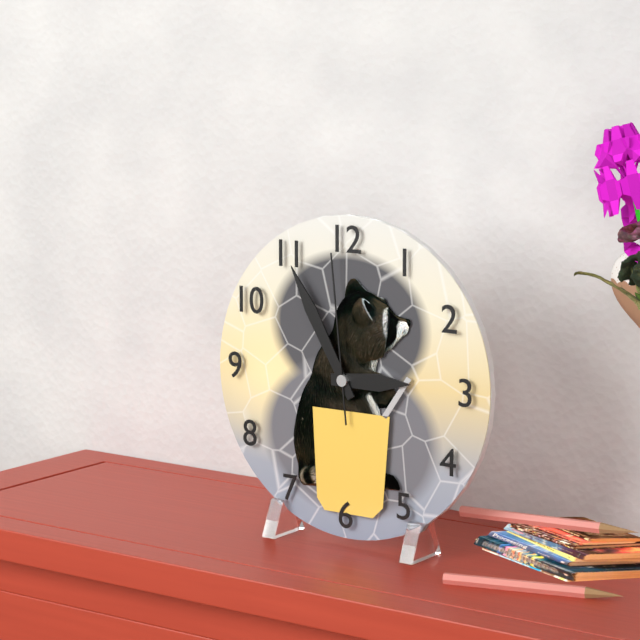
2:55:59
